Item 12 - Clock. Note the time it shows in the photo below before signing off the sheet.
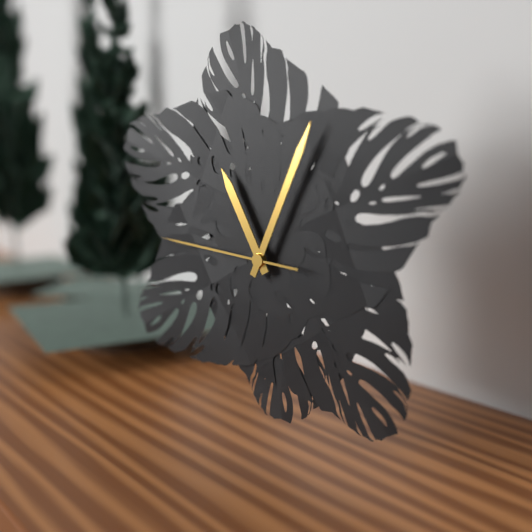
11:04:46
